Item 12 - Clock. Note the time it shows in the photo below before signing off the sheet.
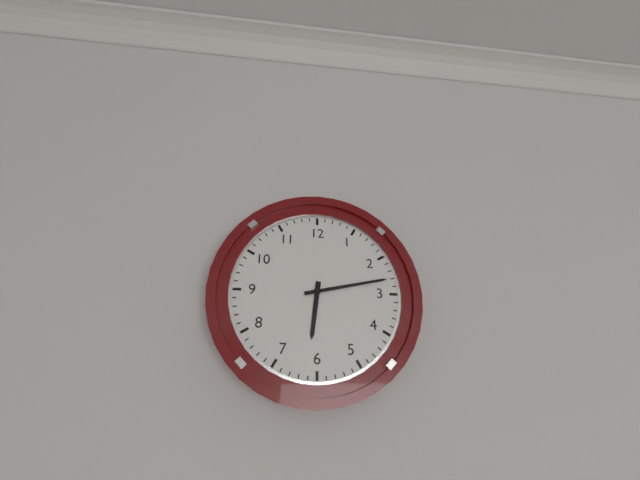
6:13
